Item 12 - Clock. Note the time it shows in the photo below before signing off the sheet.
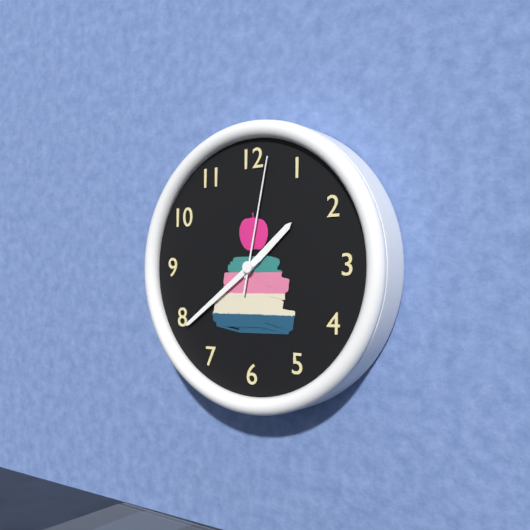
1:39:02
